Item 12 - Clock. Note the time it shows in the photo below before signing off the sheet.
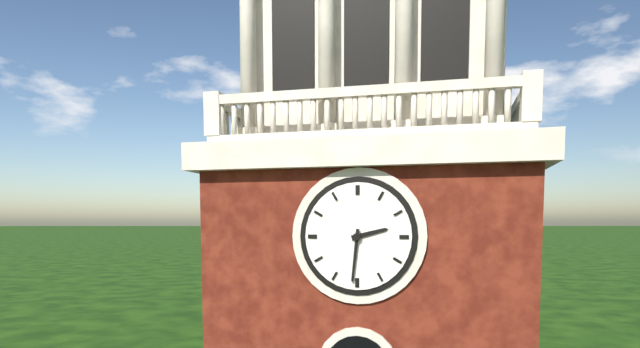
2:31
